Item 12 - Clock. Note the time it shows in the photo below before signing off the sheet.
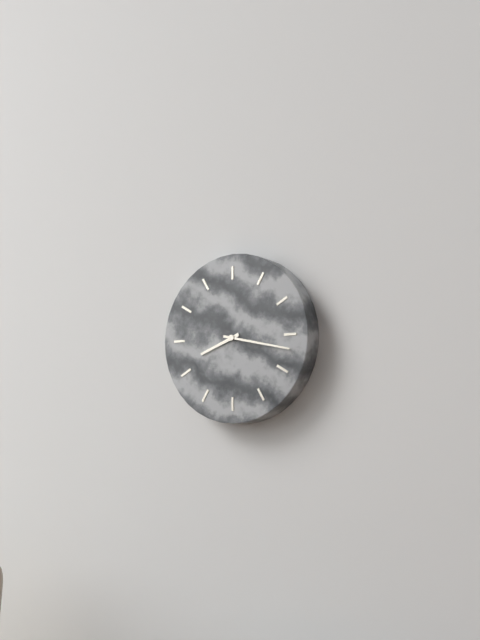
8:17
